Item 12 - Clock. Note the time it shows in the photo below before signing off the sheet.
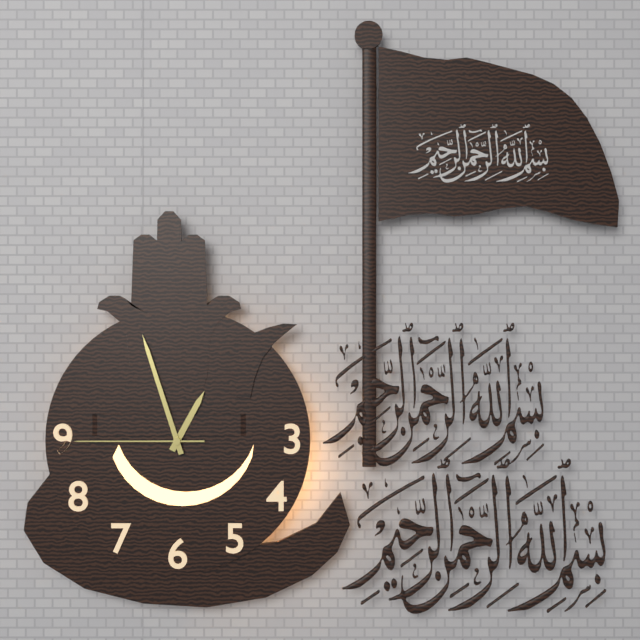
12:57:45
